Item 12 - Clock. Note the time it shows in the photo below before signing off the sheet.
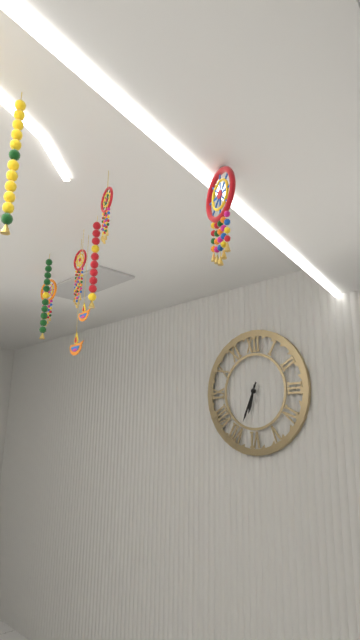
6:34
